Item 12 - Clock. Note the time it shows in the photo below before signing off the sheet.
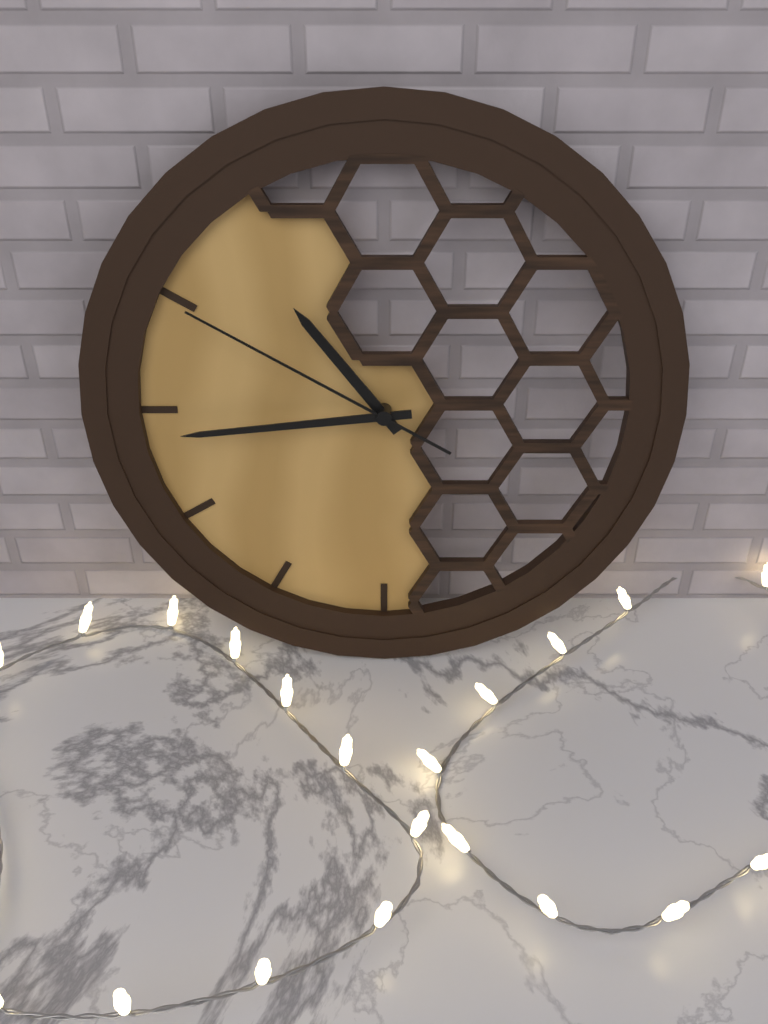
10:44:50
